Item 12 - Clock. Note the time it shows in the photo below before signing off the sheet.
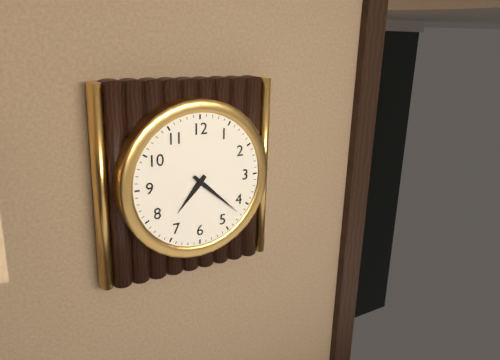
7:22
